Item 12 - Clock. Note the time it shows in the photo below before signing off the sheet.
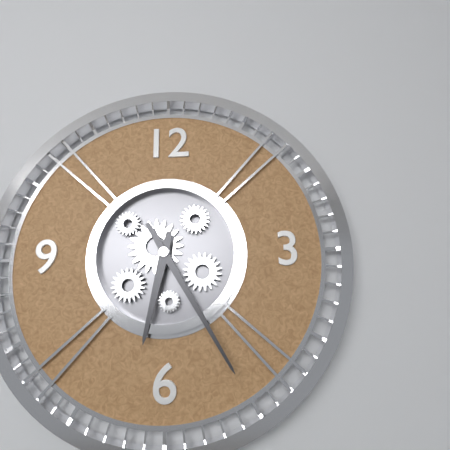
6:25
